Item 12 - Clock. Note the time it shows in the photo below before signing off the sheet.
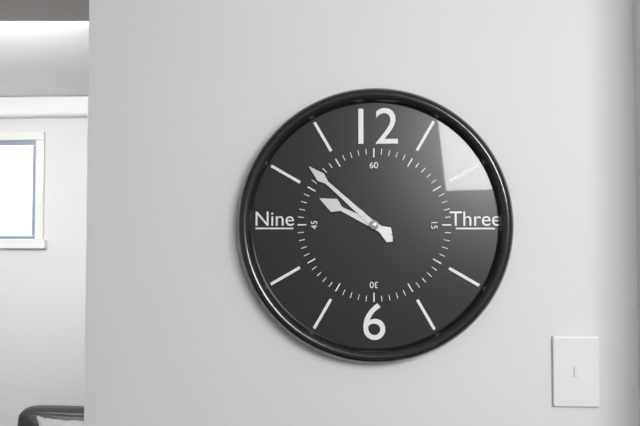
9:52
